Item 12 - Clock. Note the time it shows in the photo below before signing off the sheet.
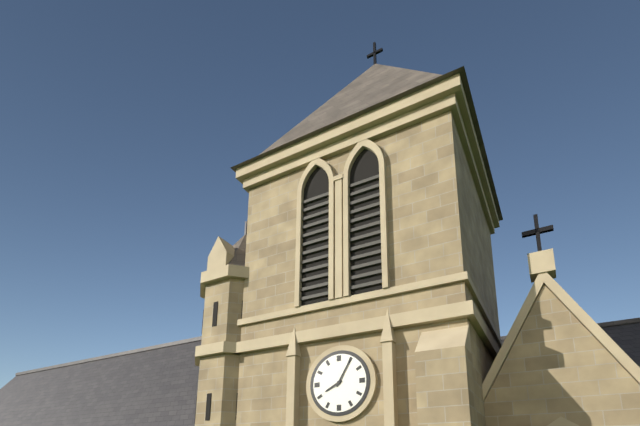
8:05
